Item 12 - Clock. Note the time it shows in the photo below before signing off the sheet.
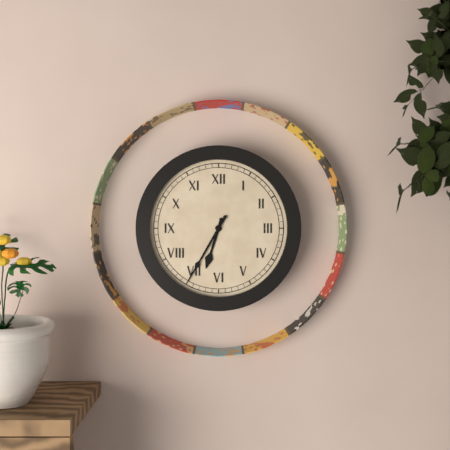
6:35
